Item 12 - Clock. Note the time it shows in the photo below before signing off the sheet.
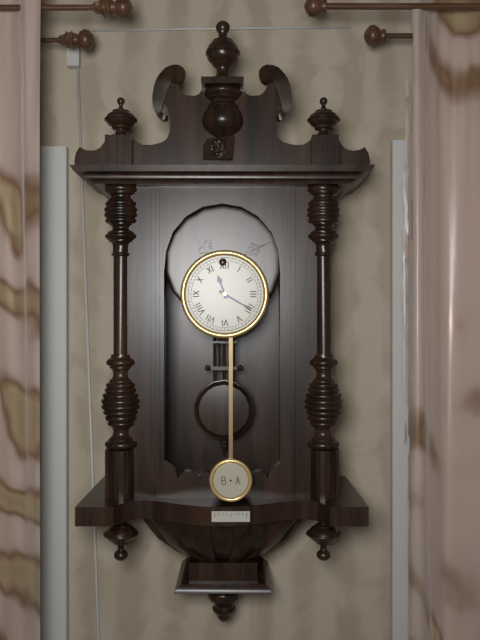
11:20
